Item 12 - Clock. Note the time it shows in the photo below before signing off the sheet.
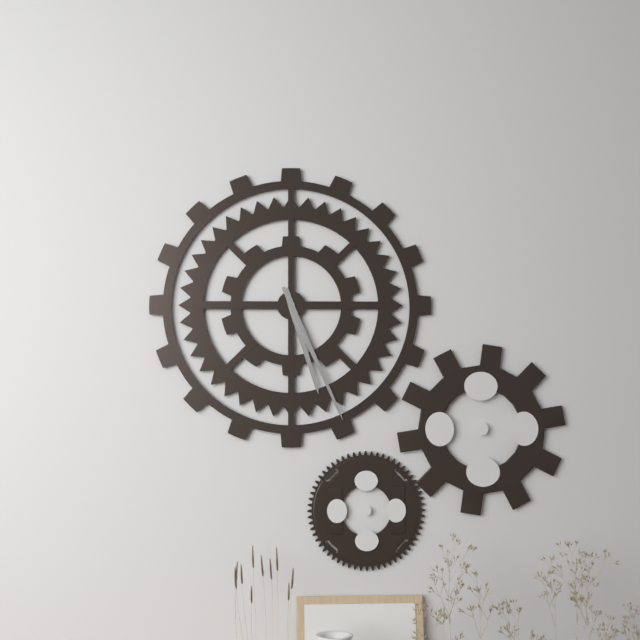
5:26
